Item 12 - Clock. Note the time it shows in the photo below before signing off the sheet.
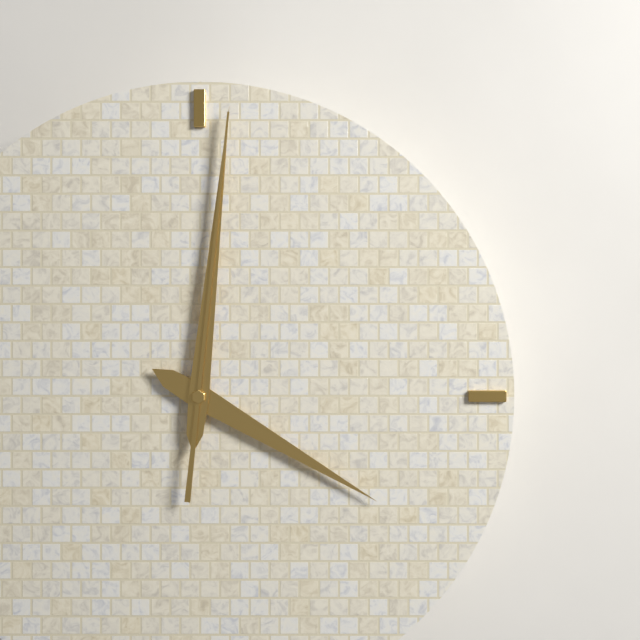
4:01:01
